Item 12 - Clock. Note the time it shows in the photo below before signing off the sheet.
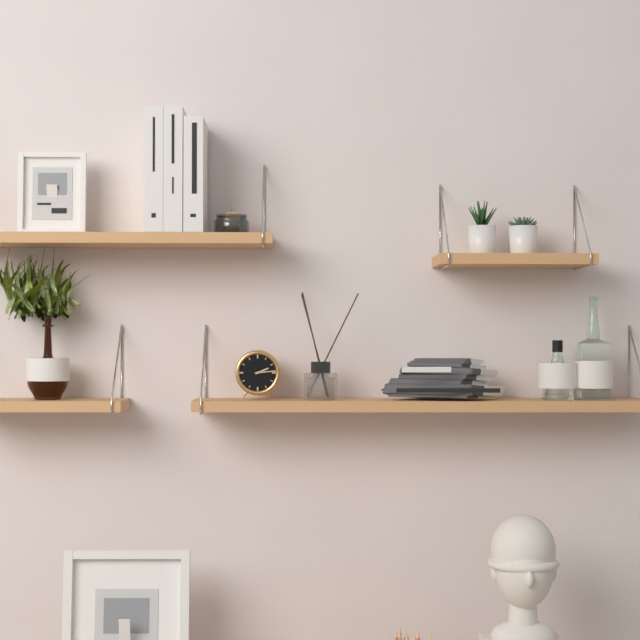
2:14
